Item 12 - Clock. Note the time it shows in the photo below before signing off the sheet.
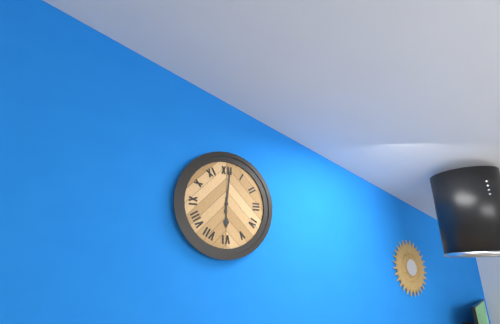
6:01
